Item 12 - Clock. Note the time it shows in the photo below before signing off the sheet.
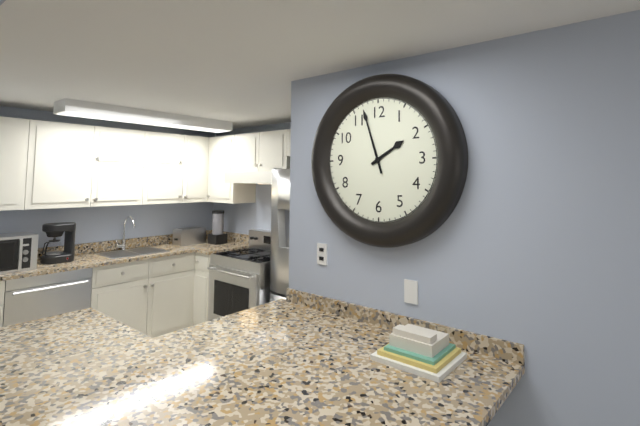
1:57
